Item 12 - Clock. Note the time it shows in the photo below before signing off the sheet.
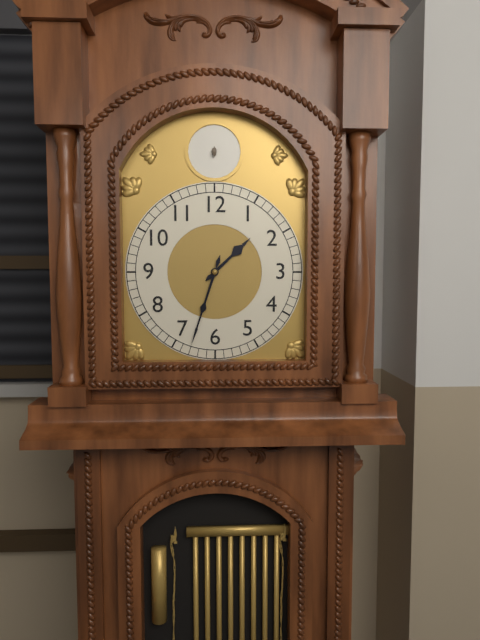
1:33
